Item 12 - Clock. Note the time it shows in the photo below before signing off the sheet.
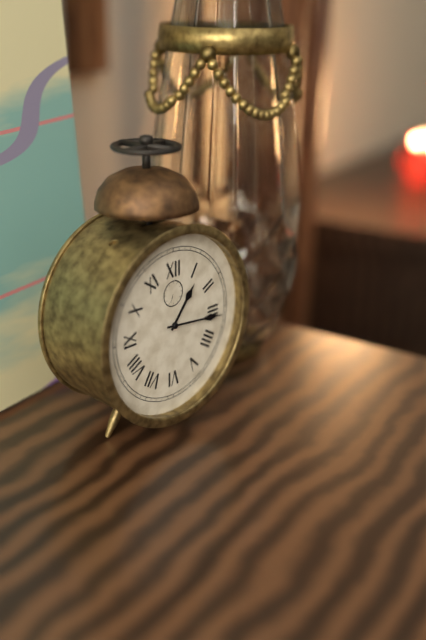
1:16
